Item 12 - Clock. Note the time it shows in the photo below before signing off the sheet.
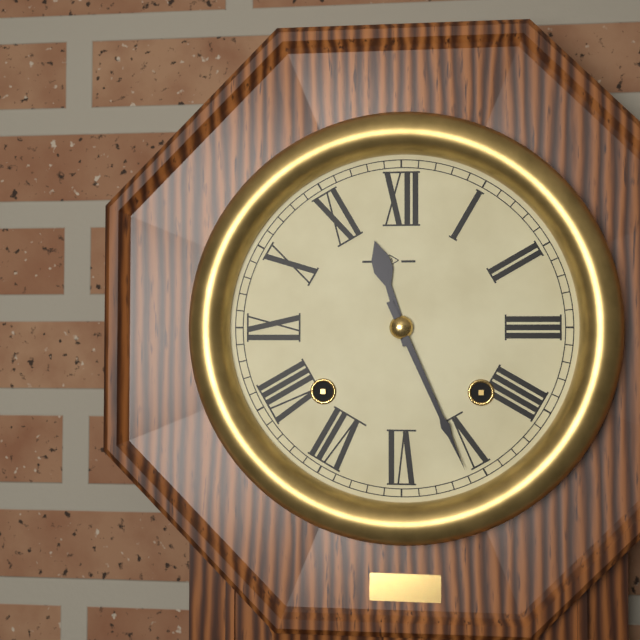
11:26
